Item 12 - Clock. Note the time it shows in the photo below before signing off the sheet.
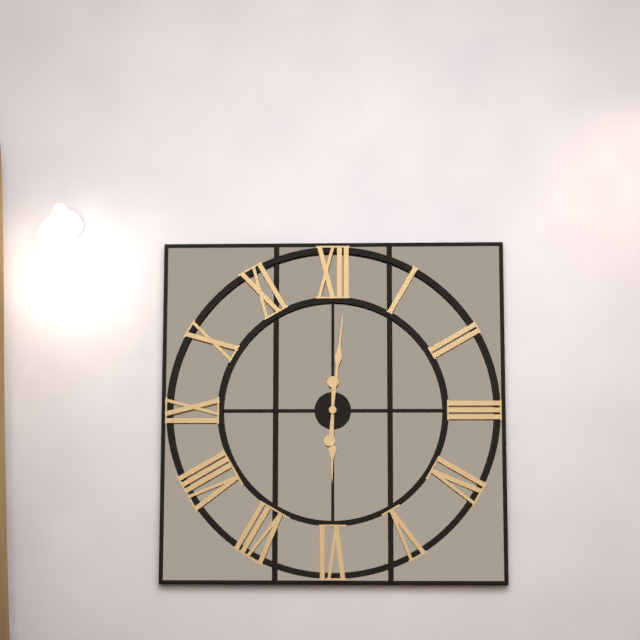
6:01
